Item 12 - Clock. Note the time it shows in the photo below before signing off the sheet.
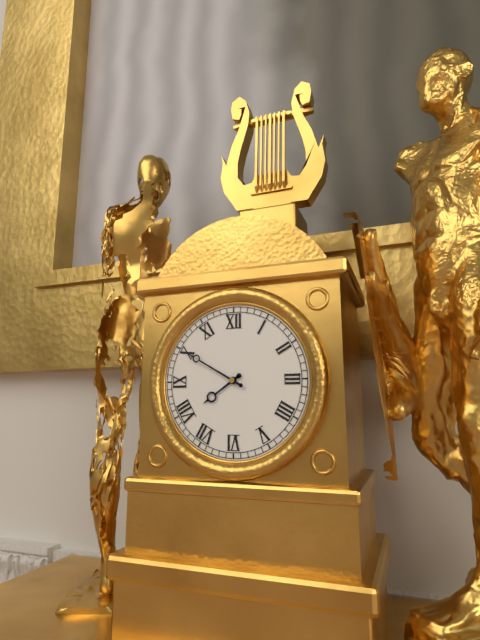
7:50
